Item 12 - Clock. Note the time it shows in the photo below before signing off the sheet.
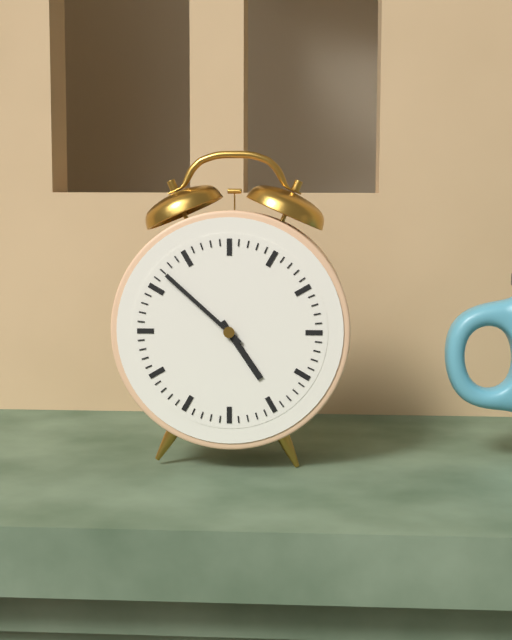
4:52
